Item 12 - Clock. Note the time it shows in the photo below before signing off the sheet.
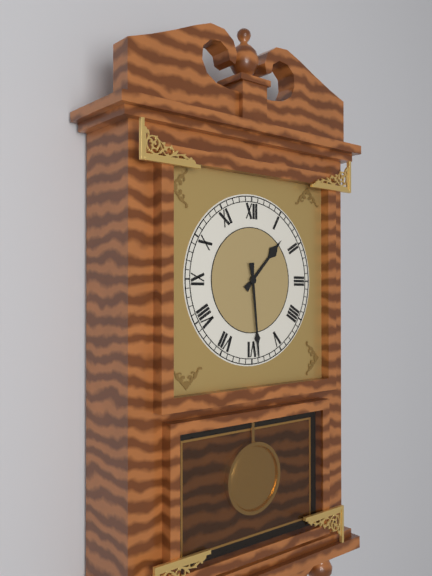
1:29
